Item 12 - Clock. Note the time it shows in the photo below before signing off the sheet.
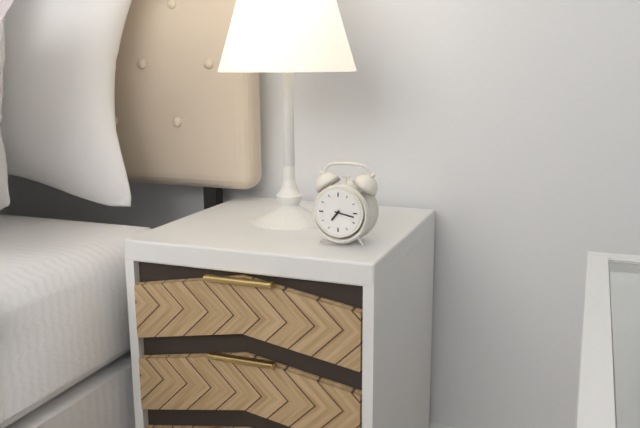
7:17
